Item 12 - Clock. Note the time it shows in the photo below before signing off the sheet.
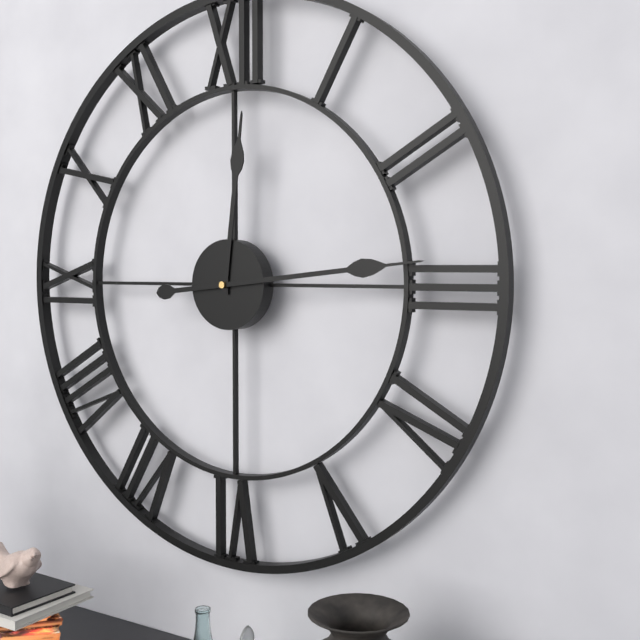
12:14
